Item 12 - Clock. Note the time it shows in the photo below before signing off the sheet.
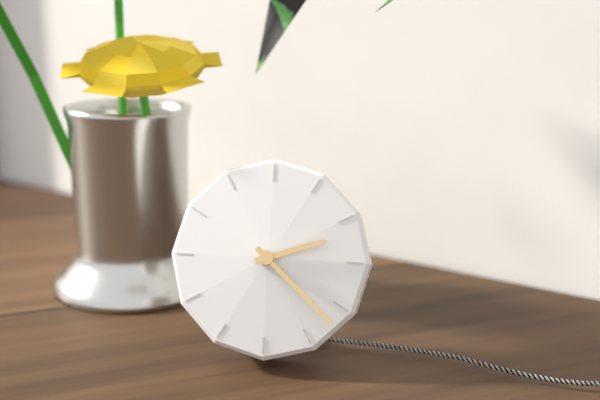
2:22
